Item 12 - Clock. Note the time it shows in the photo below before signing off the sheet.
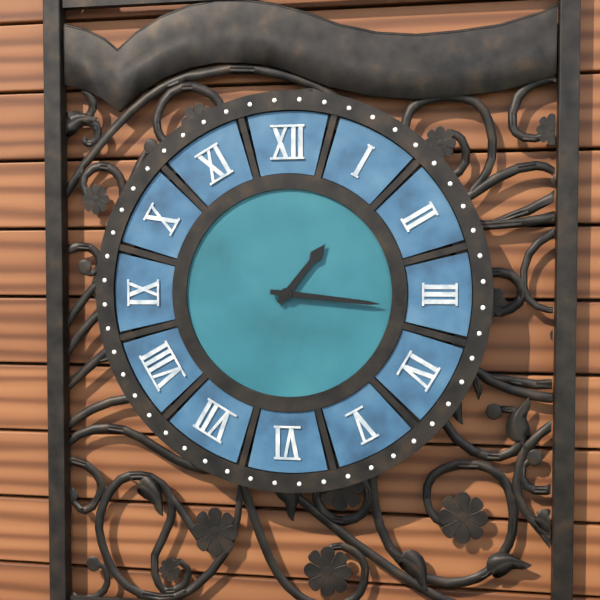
1:16
